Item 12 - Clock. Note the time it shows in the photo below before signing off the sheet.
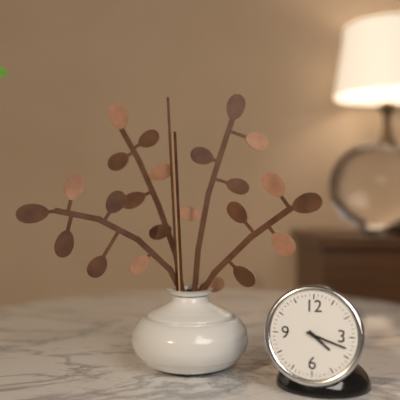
4:18
